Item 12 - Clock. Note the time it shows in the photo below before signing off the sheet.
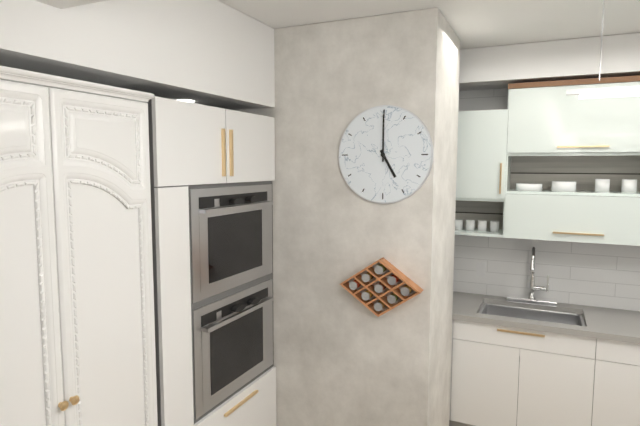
5:00
